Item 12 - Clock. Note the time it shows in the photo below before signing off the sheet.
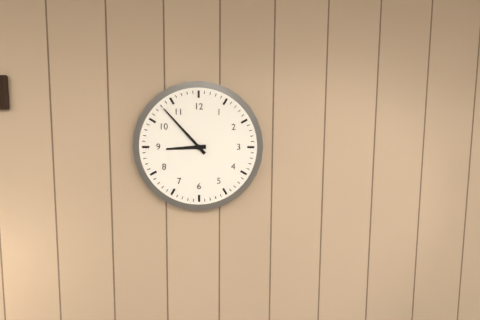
8:53
